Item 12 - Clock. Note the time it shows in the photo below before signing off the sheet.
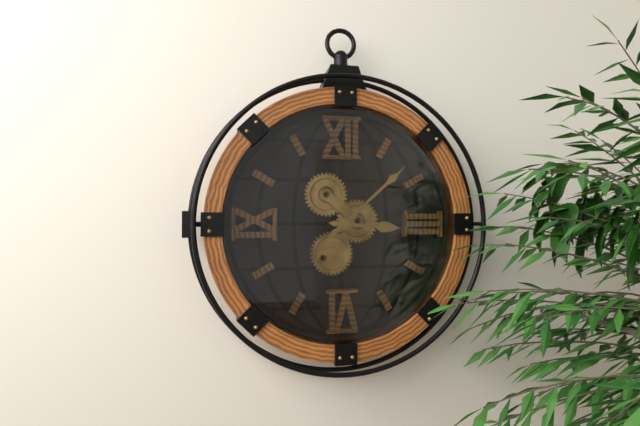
3:08
